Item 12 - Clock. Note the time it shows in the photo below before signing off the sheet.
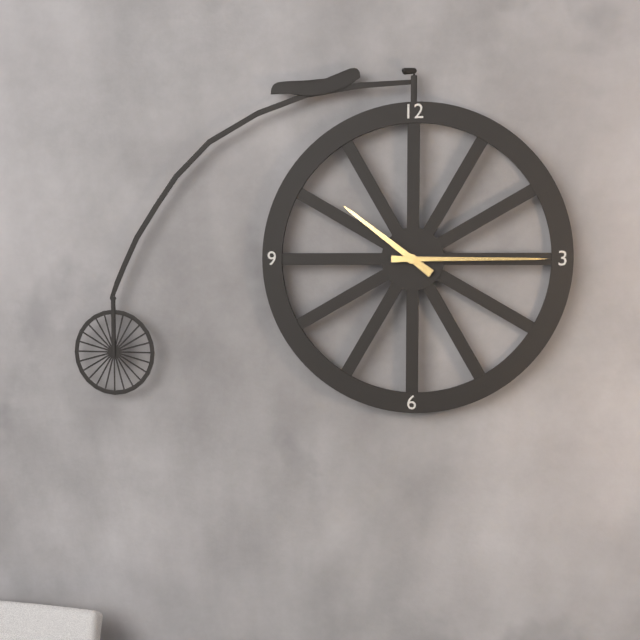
10:15
